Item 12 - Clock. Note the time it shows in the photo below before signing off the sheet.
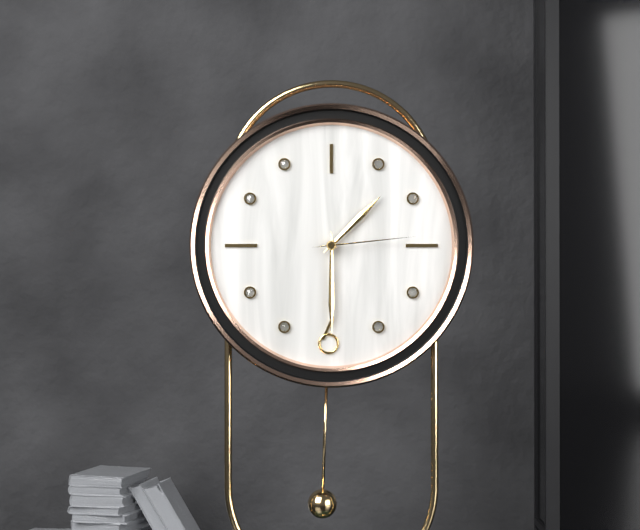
1:30:14
